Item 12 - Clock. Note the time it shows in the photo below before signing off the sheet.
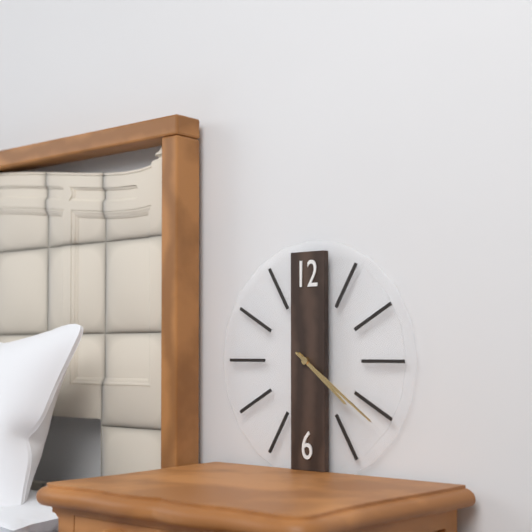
4:21
